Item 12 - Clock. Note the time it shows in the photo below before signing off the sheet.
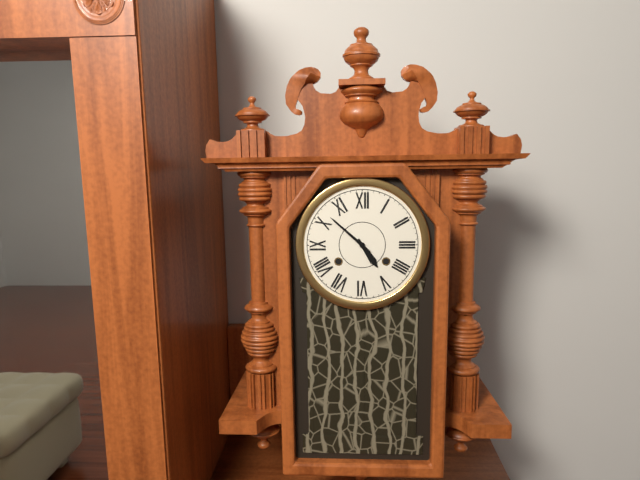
4:52
